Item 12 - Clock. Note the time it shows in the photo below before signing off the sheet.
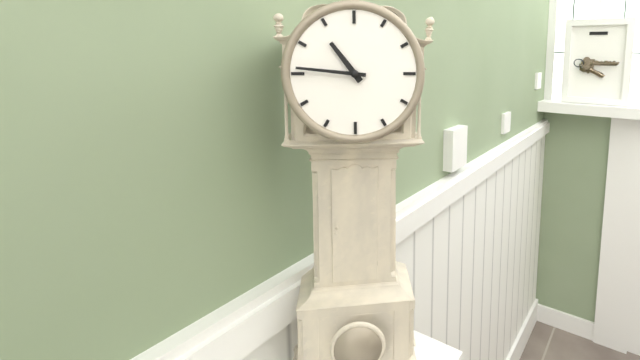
10:46
